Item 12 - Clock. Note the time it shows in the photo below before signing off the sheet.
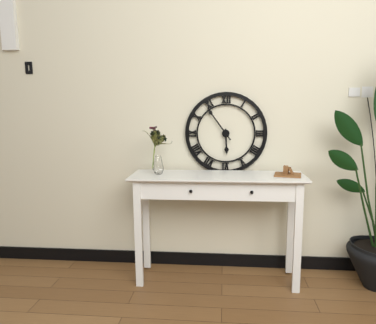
5:54
